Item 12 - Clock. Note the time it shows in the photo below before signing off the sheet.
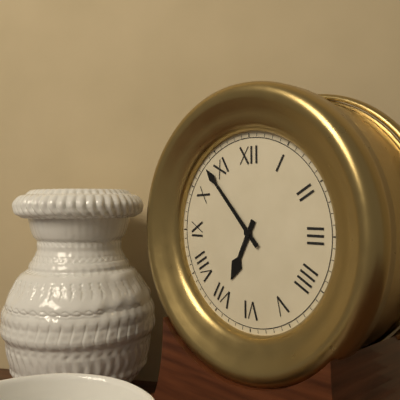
6:53
